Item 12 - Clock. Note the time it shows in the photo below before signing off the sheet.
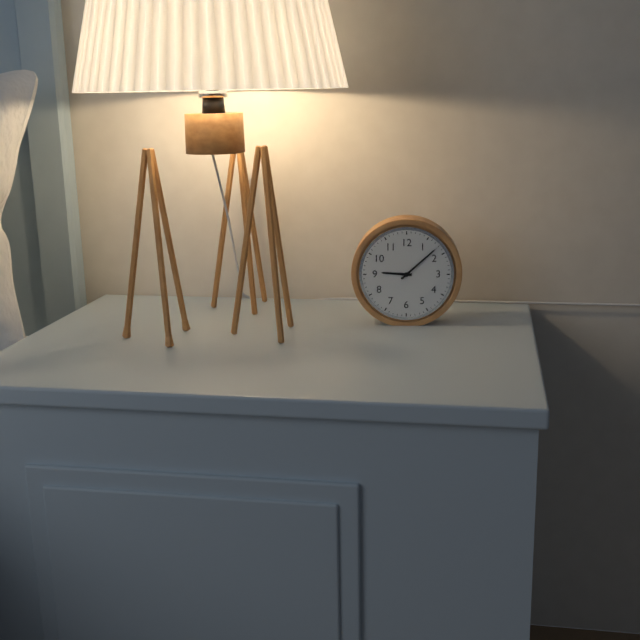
9:08
